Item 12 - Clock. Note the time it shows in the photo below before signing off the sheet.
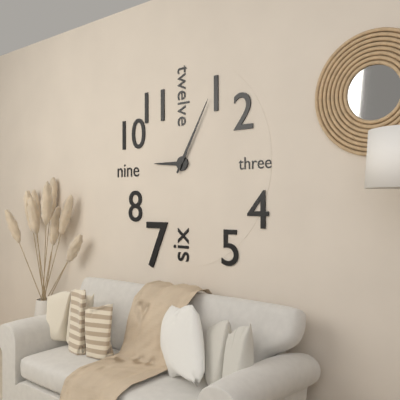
9:05
